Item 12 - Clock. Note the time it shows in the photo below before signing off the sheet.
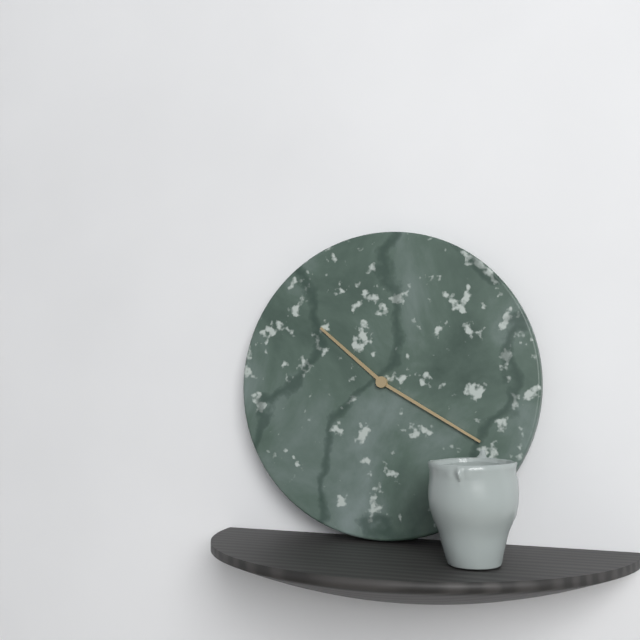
10:20
